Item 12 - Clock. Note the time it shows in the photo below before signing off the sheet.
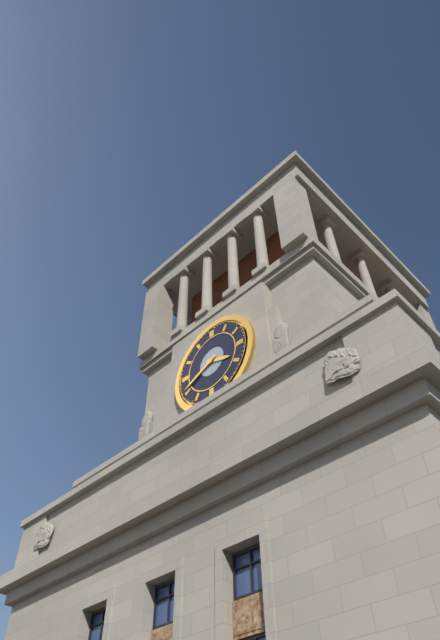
3:41
